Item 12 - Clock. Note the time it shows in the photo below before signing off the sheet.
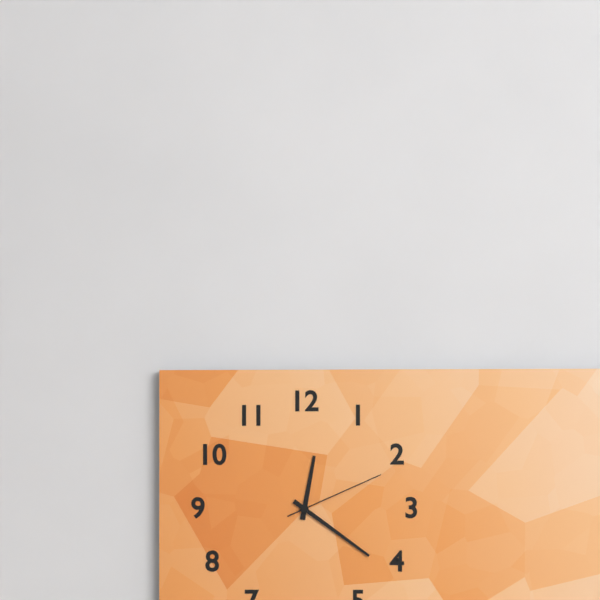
12:21:11
